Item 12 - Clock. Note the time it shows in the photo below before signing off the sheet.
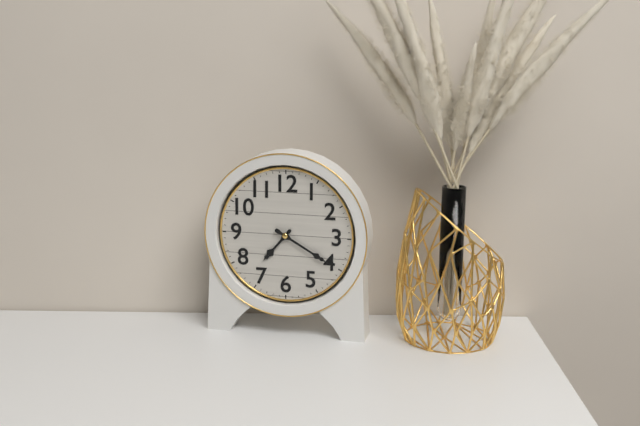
7:20
